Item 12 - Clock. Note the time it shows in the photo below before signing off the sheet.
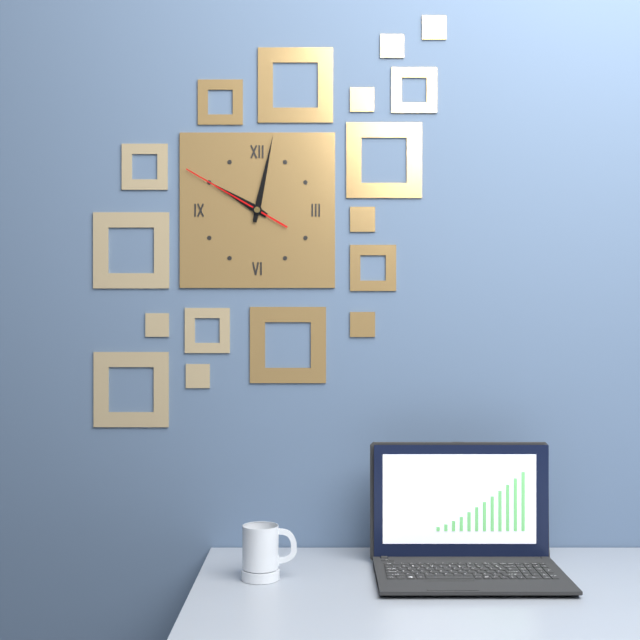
10:02:50
